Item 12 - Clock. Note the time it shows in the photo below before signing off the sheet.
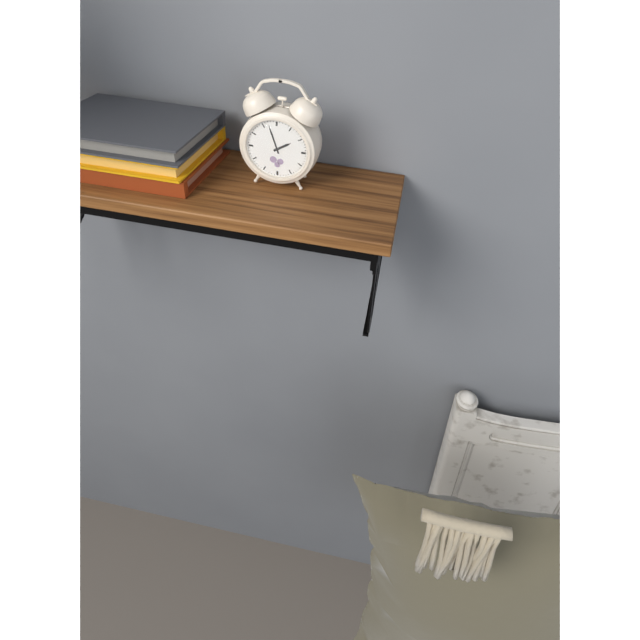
1:57
